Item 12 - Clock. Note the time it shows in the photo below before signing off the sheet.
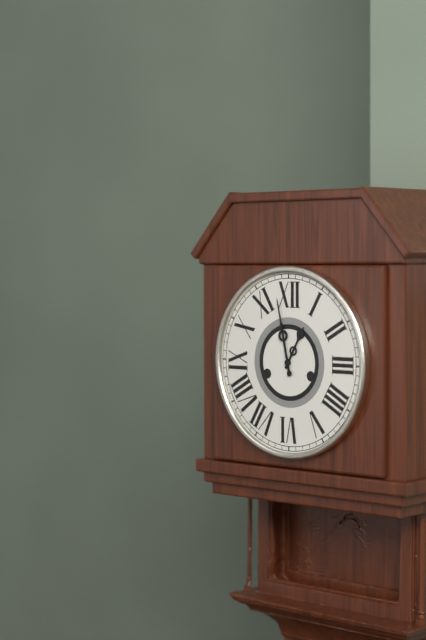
12:58
